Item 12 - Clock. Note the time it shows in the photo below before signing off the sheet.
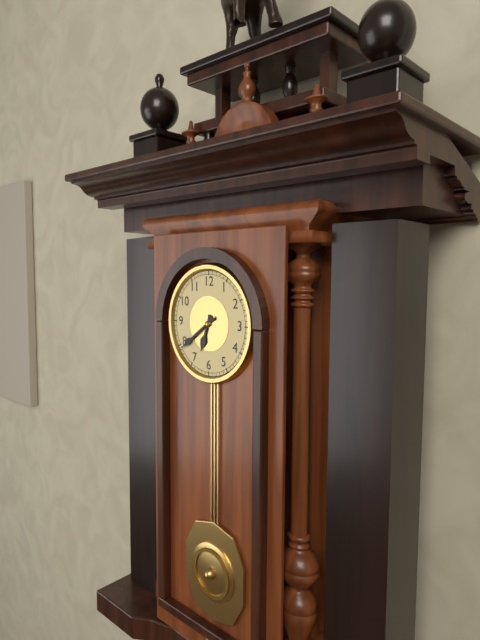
6:39
